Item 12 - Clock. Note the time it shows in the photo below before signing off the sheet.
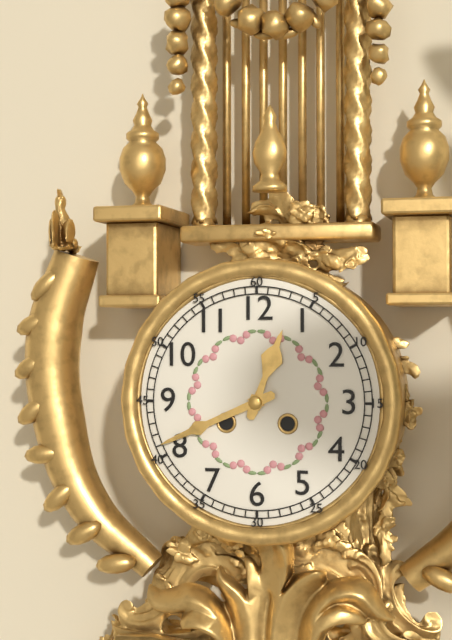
12:41
